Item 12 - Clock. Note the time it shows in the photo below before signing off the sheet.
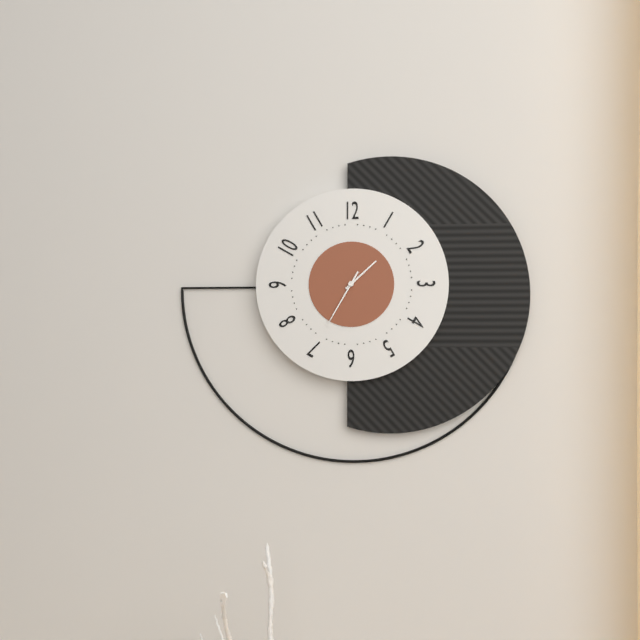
1:35
